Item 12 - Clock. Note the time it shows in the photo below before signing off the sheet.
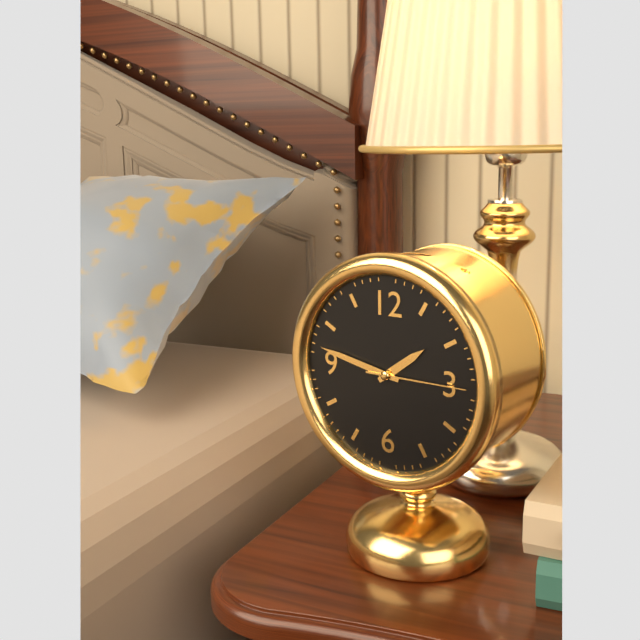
1:47:15
